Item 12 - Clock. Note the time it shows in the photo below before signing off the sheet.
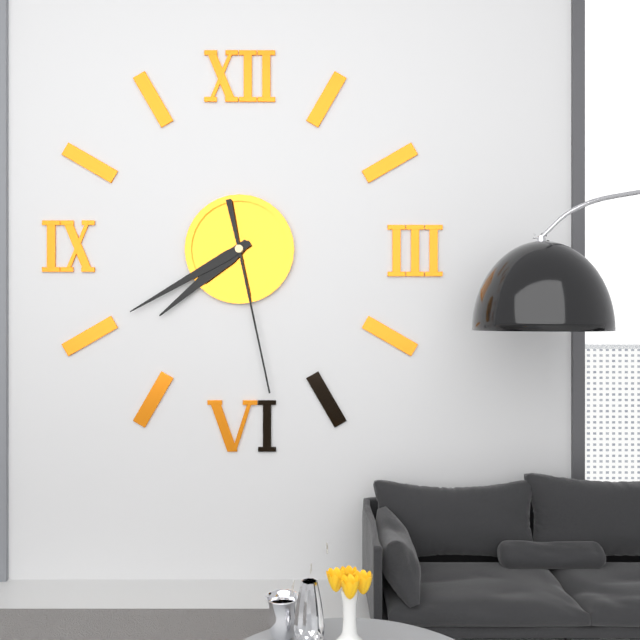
7:40:28
